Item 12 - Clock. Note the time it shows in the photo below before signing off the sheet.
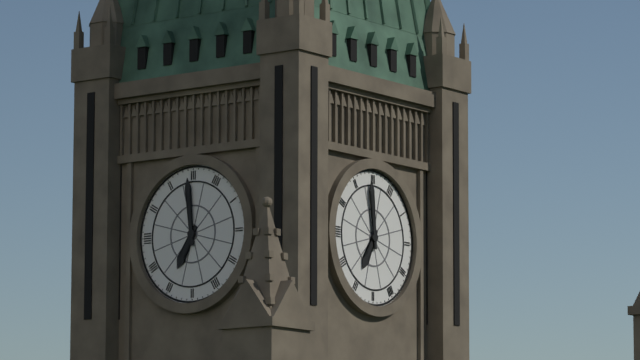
6:59
